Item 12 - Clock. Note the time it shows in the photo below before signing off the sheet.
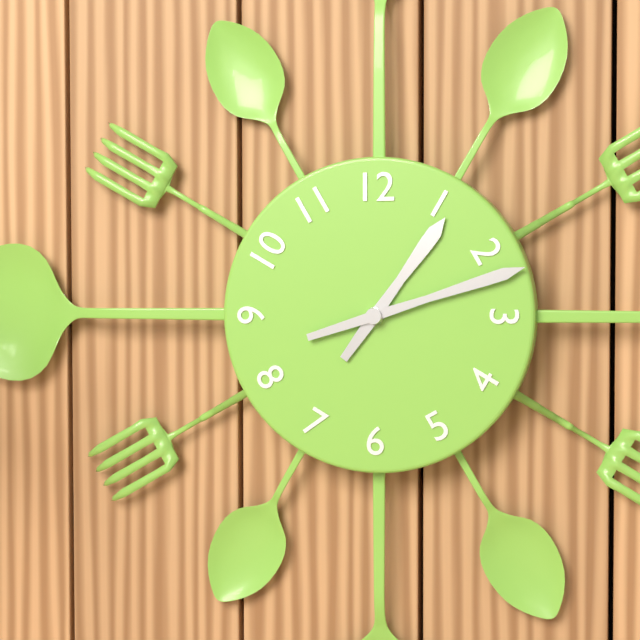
1:12
